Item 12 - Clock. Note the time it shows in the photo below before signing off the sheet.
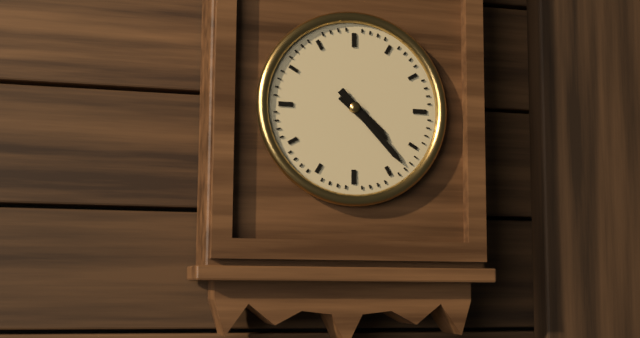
4:23
